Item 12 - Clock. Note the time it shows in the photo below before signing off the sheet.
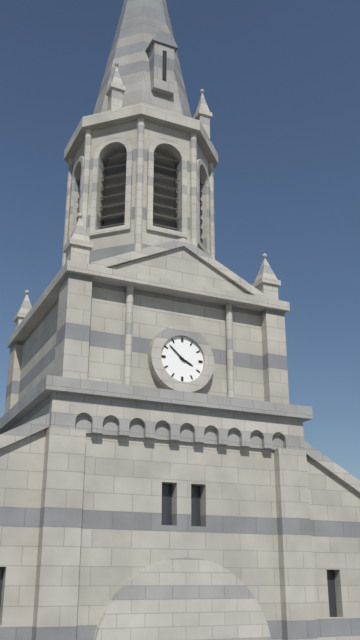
3:52
